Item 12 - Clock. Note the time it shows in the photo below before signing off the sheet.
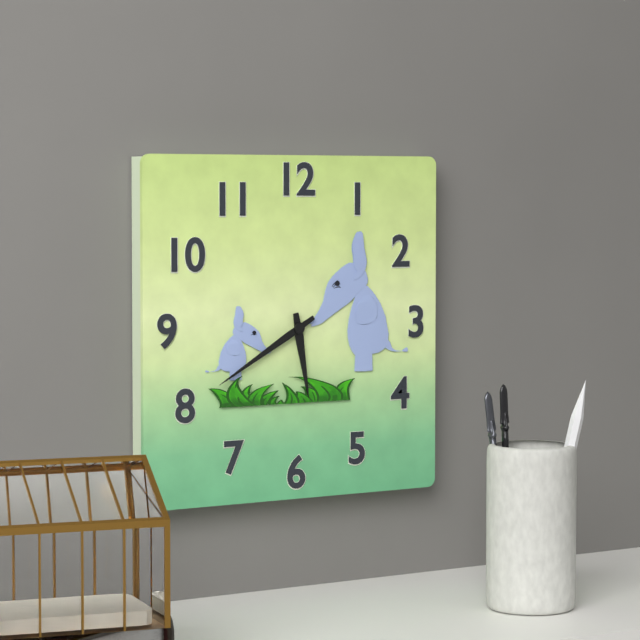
5:40
